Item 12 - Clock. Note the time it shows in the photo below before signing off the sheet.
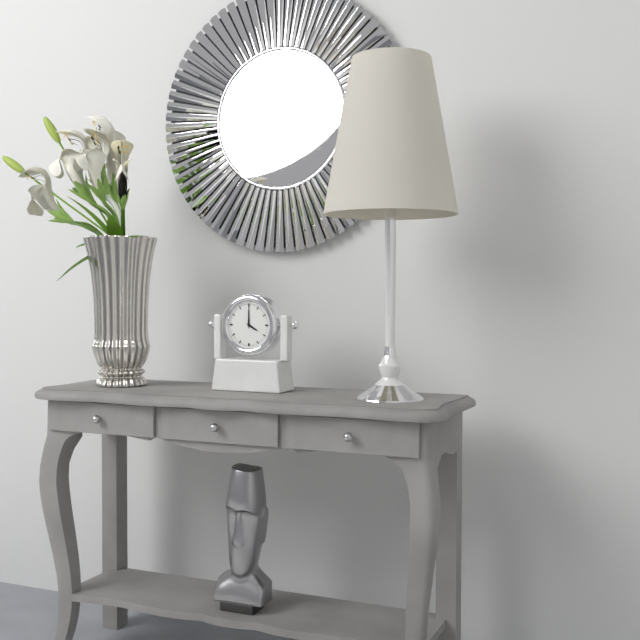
4:00
